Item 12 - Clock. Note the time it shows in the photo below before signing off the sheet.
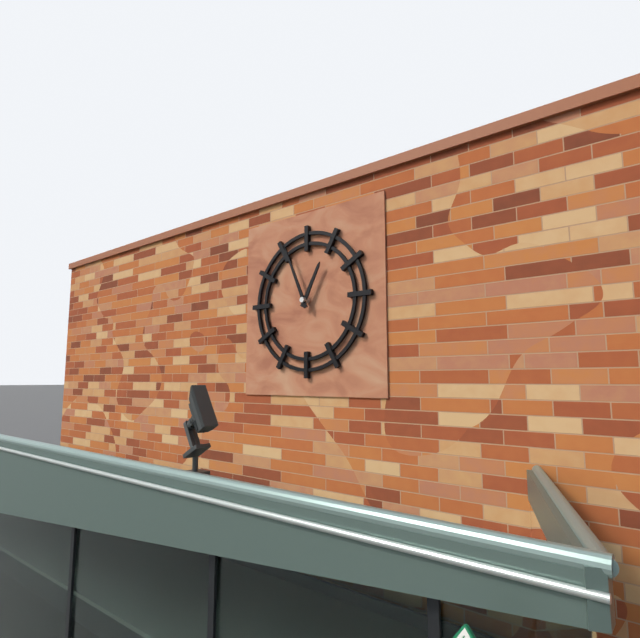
12:56
